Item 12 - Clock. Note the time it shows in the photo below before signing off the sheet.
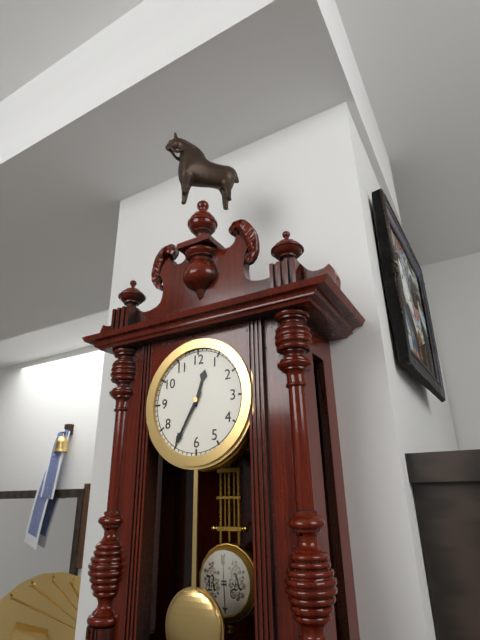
12:35
